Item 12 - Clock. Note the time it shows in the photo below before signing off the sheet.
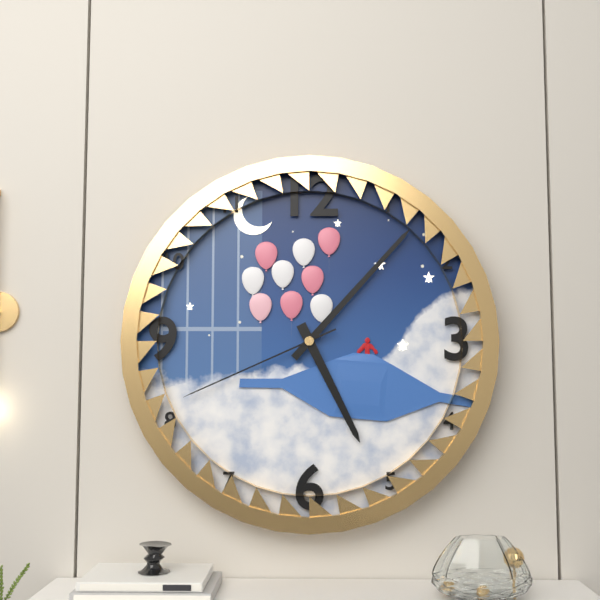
5:07:41
